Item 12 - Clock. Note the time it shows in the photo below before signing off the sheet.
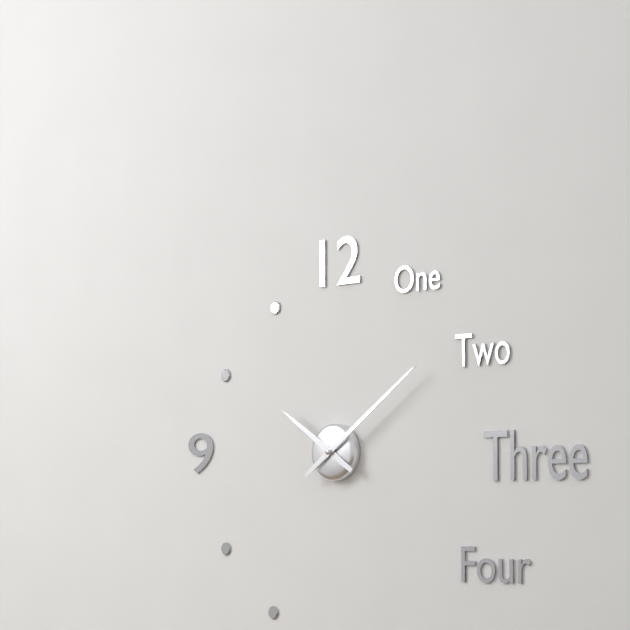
10:09
